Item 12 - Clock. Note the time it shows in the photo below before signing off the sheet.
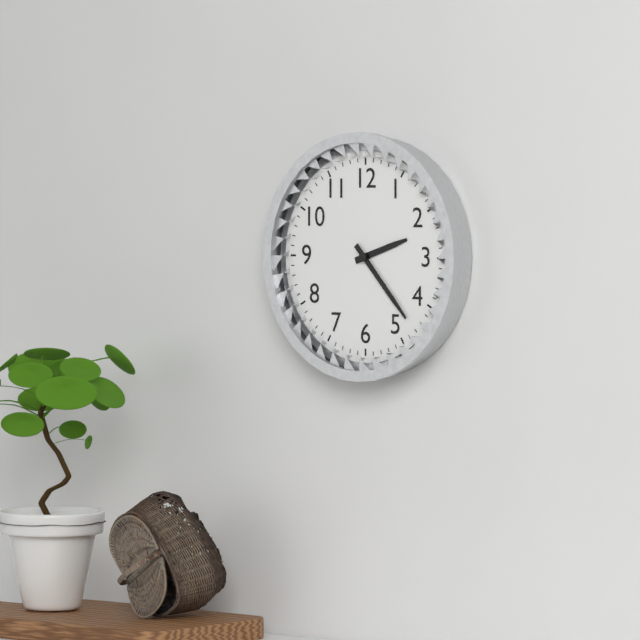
2:23
